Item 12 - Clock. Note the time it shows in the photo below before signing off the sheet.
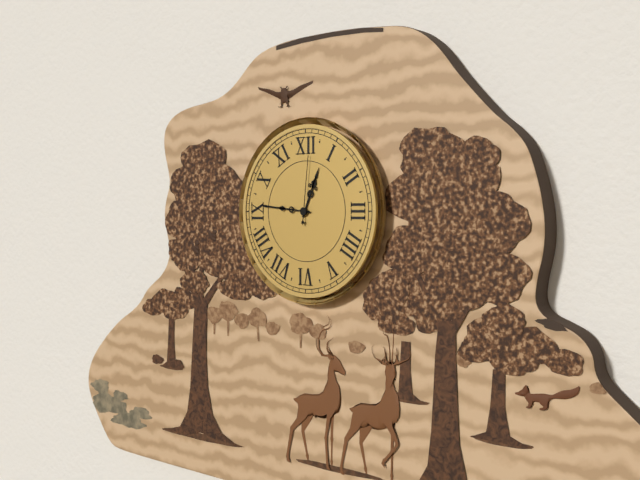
12:46:01
